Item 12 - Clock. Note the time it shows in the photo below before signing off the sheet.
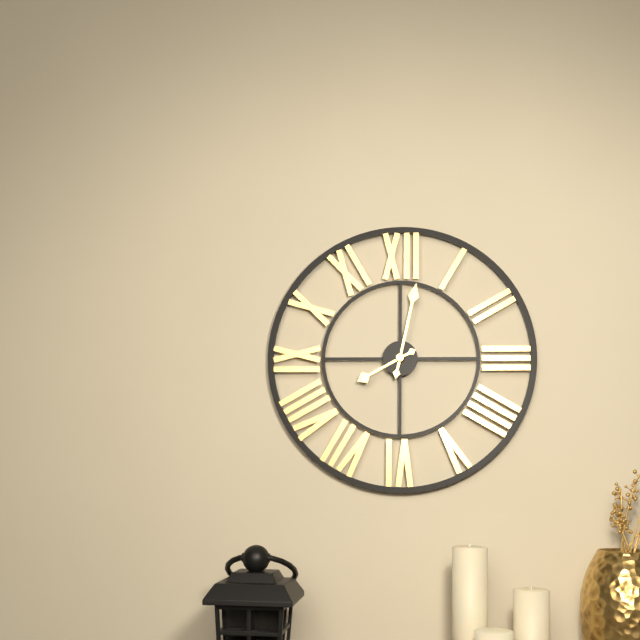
8:02
